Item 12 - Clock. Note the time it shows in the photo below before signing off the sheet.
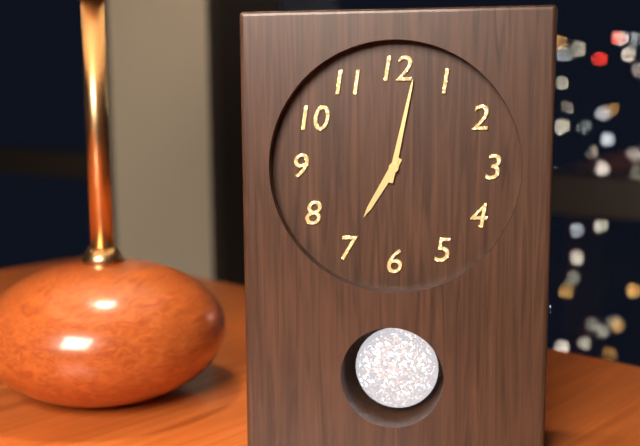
7:02
